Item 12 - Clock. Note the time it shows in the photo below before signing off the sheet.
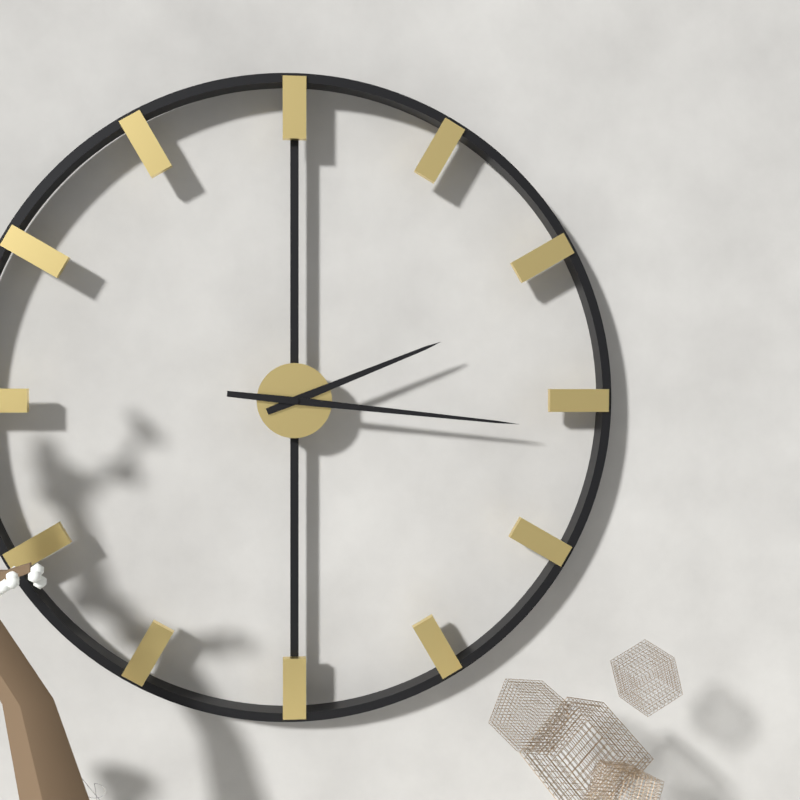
2:16
